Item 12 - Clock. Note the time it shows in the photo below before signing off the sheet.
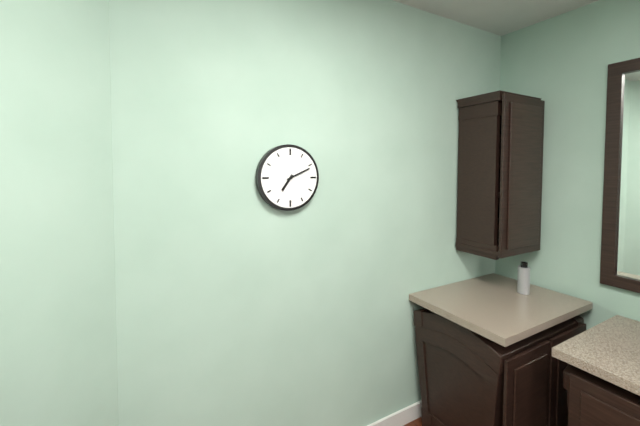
7:11
